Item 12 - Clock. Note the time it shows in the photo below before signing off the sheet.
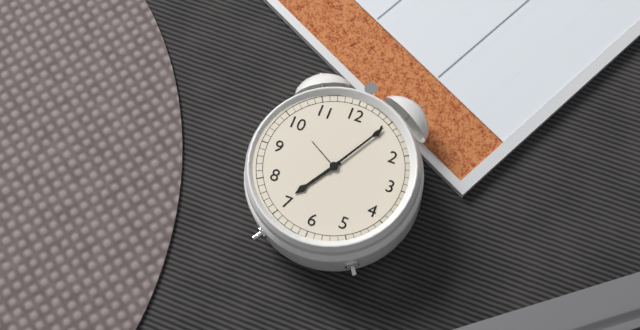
7:05
